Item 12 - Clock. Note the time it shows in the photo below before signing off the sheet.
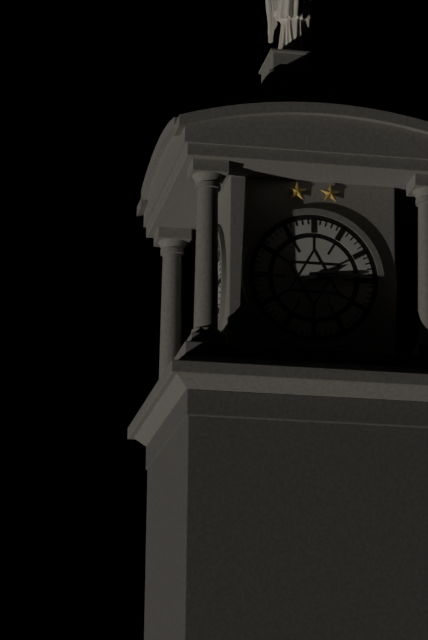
2:14
